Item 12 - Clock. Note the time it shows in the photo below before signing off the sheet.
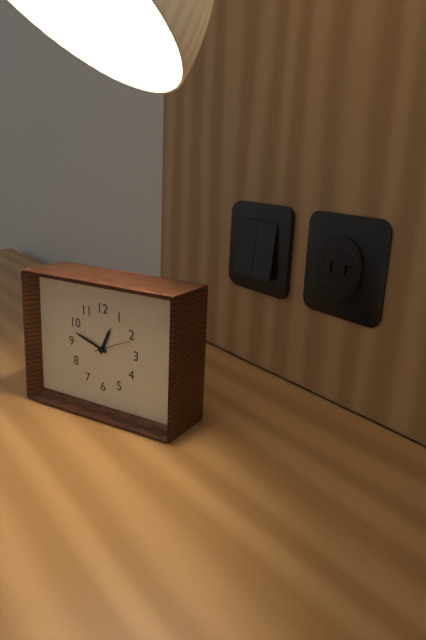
12:48
